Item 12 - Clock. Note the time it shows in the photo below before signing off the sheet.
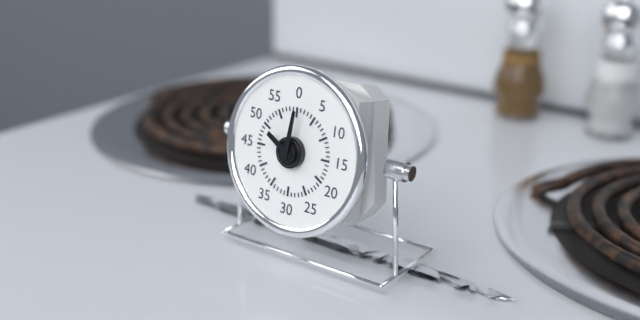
10:01
